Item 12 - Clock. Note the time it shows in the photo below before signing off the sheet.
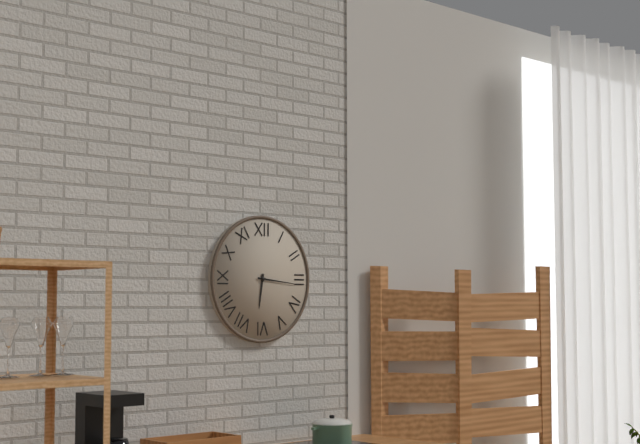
6:16
